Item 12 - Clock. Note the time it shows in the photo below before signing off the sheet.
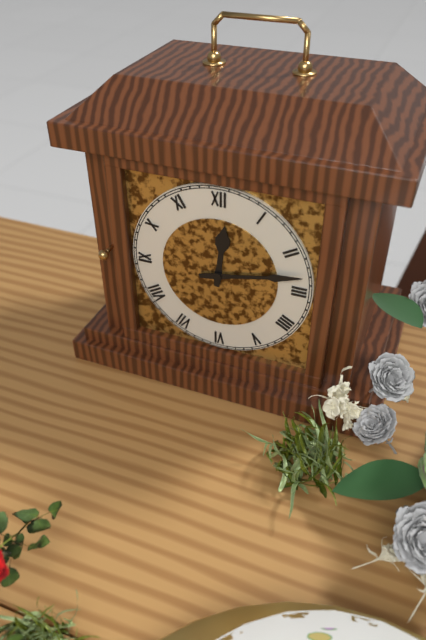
12:13
